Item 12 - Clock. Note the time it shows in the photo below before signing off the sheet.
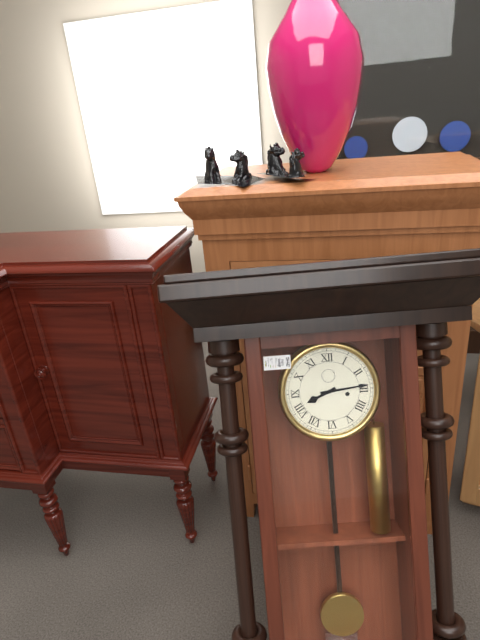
8:14
